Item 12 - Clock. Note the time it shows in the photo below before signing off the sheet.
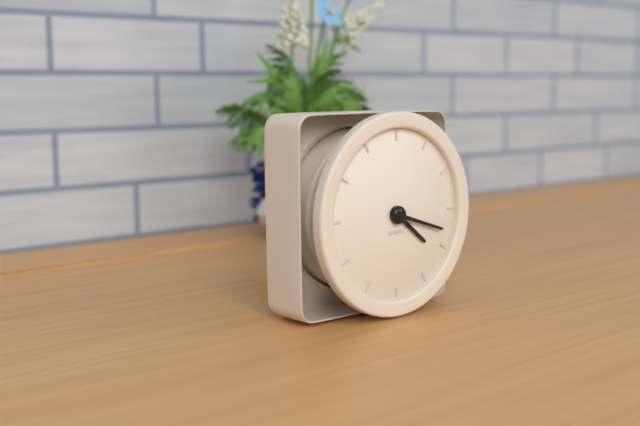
4:18
